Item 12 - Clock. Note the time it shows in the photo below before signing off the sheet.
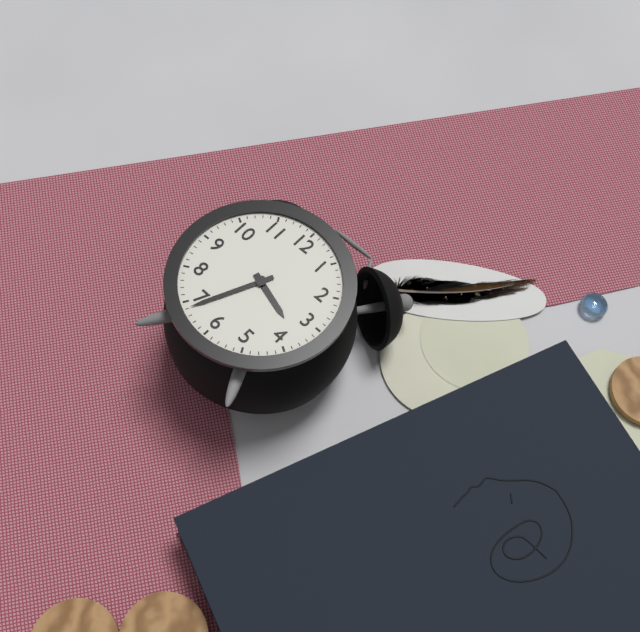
3:34
